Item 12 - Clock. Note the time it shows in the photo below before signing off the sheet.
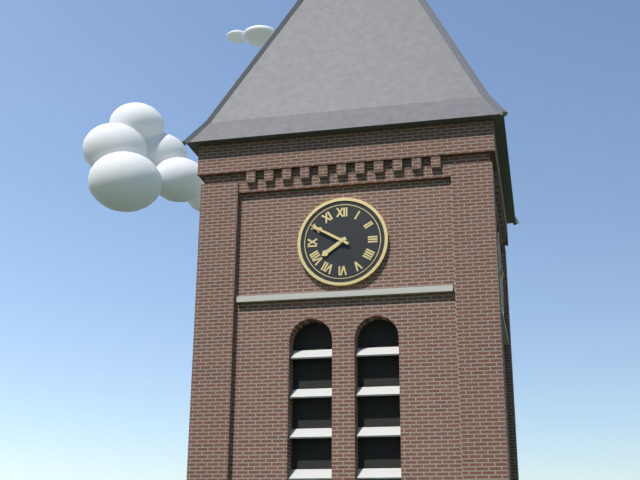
7:50
